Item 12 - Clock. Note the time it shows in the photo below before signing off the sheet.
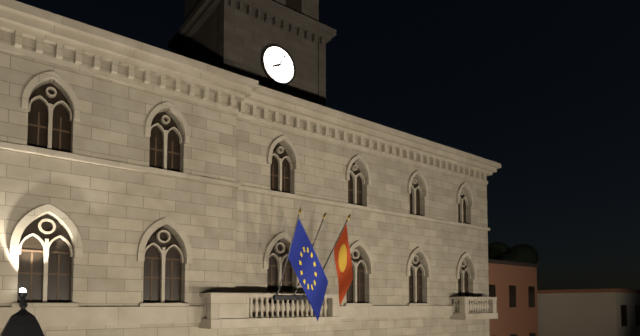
8:05
